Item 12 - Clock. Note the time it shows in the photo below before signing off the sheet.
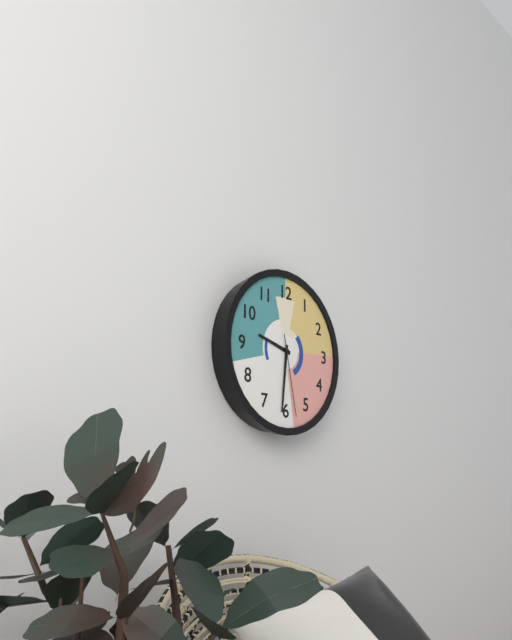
9:31:28
